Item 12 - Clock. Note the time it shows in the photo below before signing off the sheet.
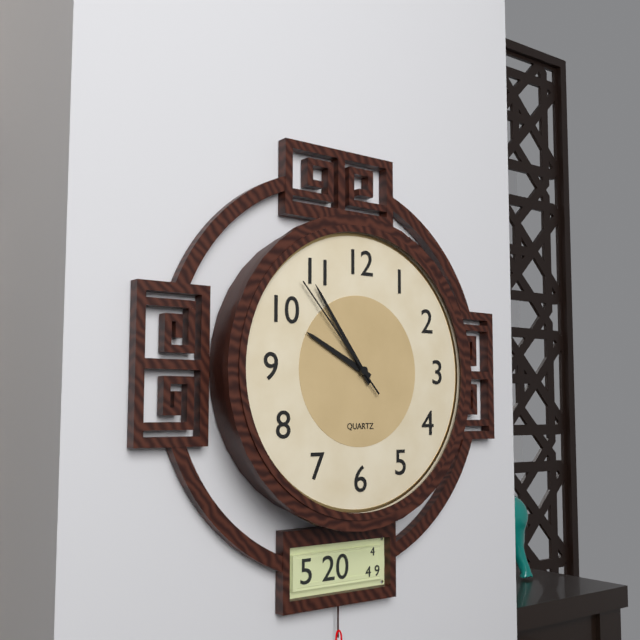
9:54:53
